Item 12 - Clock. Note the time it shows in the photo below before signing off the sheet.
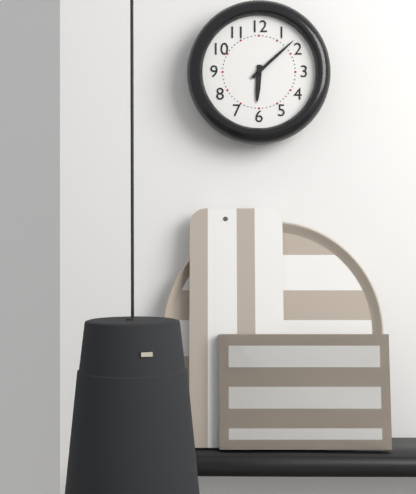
6:08
